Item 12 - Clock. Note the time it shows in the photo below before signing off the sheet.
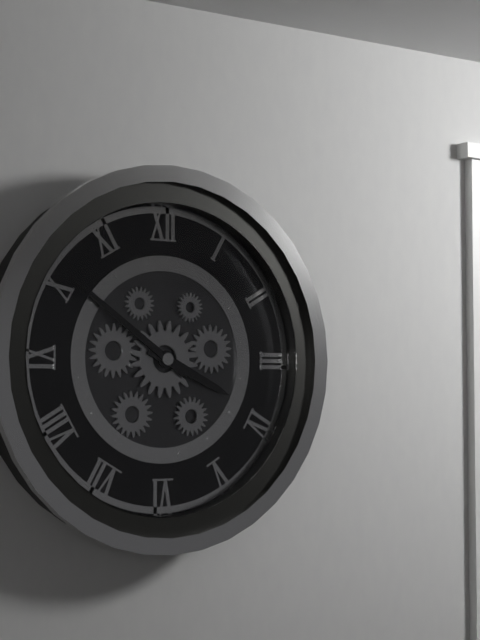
3:51
